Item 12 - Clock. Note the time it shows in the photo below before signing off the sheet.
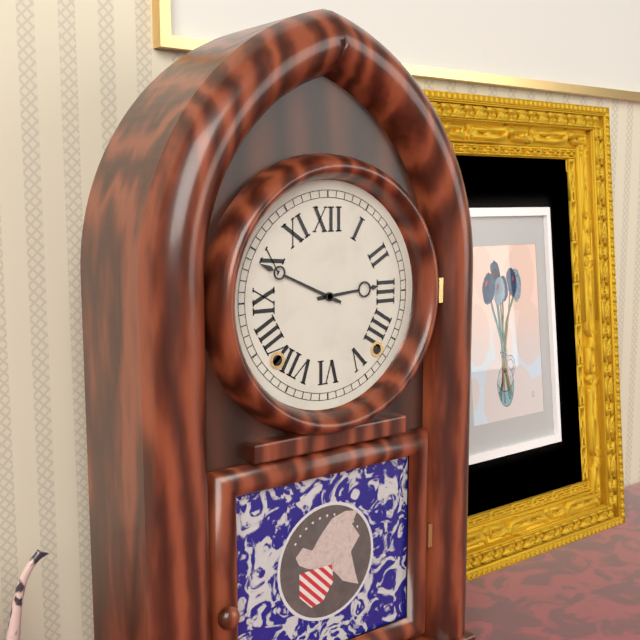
2:49
